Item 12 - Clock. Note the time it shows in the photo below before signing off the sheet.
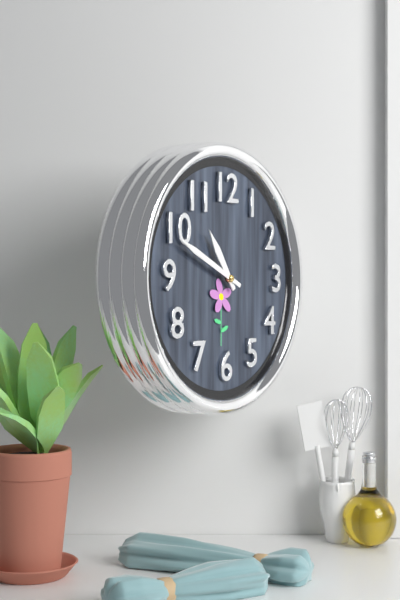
10:49
